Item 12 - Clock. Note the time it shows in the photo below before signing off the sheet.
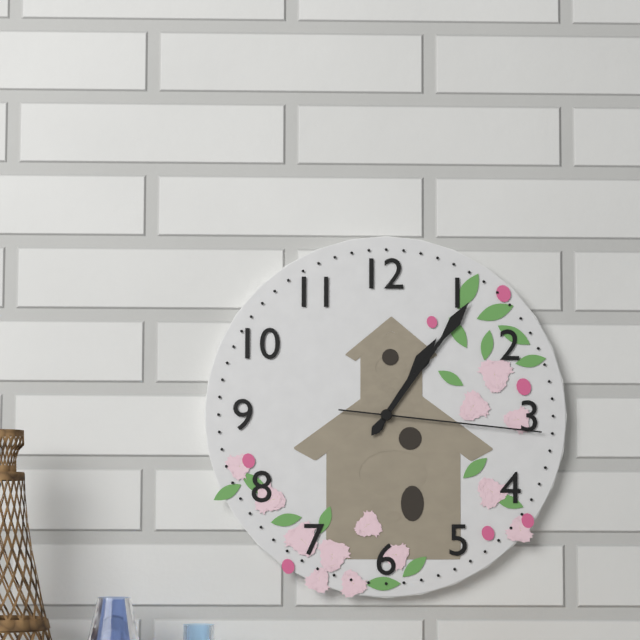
1:06:16
